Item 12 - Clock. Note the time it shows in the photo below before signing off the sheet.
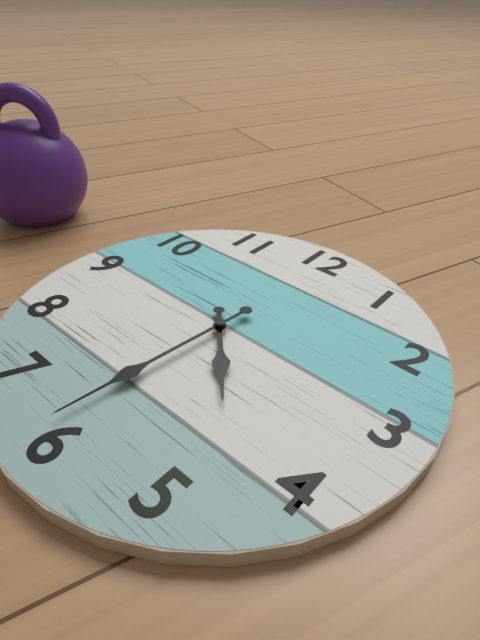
4:31
